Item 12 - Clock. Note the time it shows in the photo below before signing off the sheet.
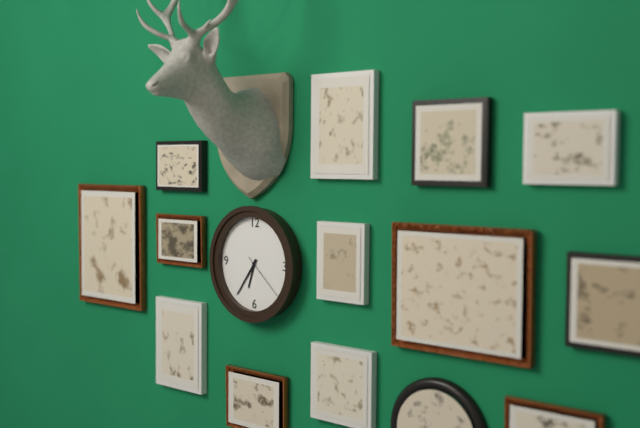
6:36:22
